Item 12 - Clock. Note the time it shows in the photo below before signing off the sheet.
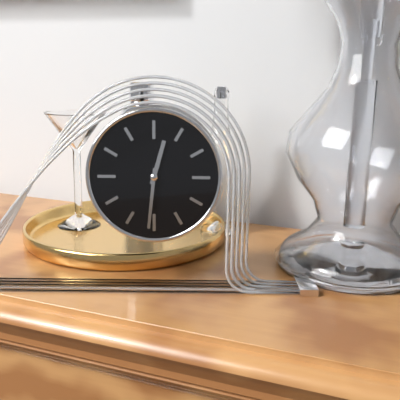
12:31
